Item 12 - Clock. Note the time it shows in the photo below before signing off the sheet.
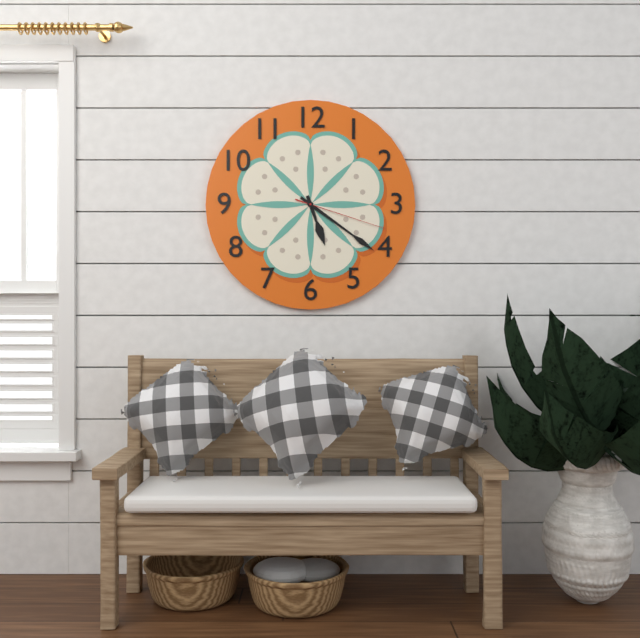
5:21:18
